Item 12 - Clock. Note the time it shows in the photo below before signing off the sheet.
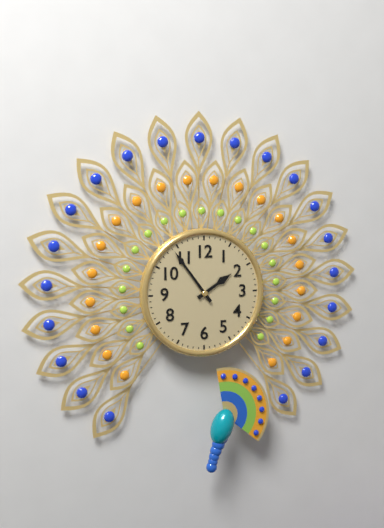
1:54
